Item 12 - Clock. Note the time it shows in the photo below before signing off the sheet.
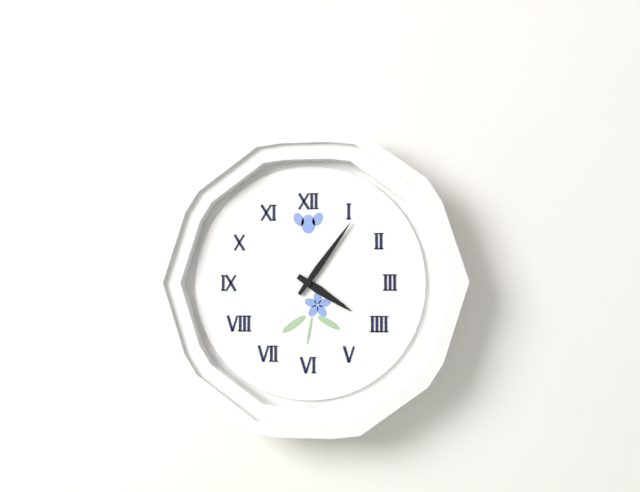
4:06
